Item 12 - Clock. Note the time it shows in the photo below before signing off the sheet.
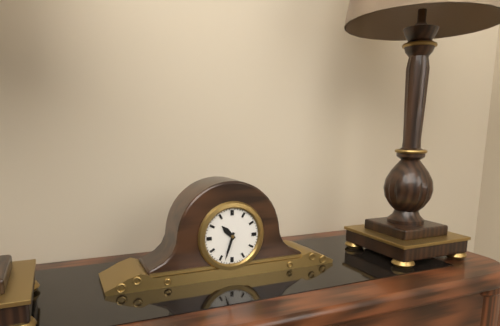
10:33
